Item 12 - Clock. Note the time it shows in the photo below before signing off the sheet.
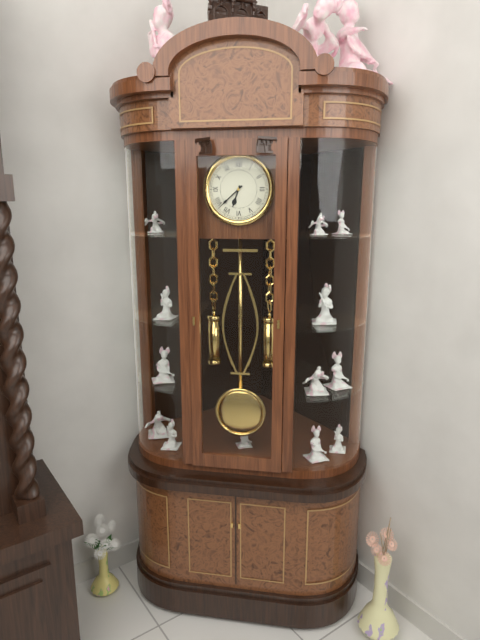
6:38
